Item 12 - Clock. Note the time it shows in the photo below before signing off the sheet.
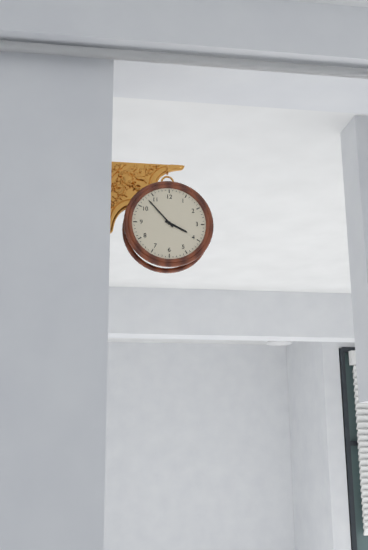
3:53
